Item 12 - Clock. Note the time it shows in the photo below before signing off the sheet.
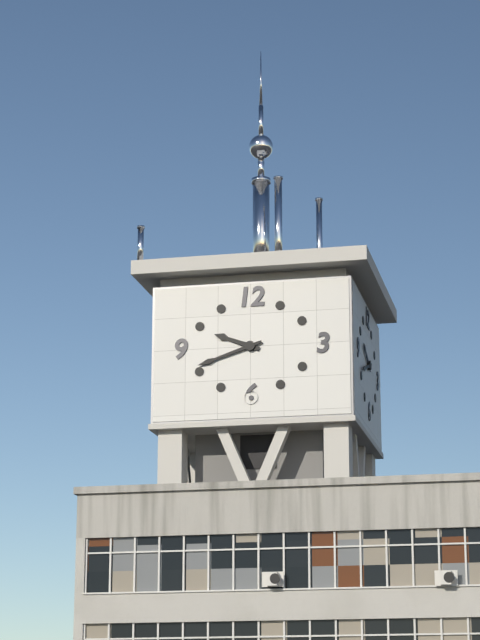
9:42
